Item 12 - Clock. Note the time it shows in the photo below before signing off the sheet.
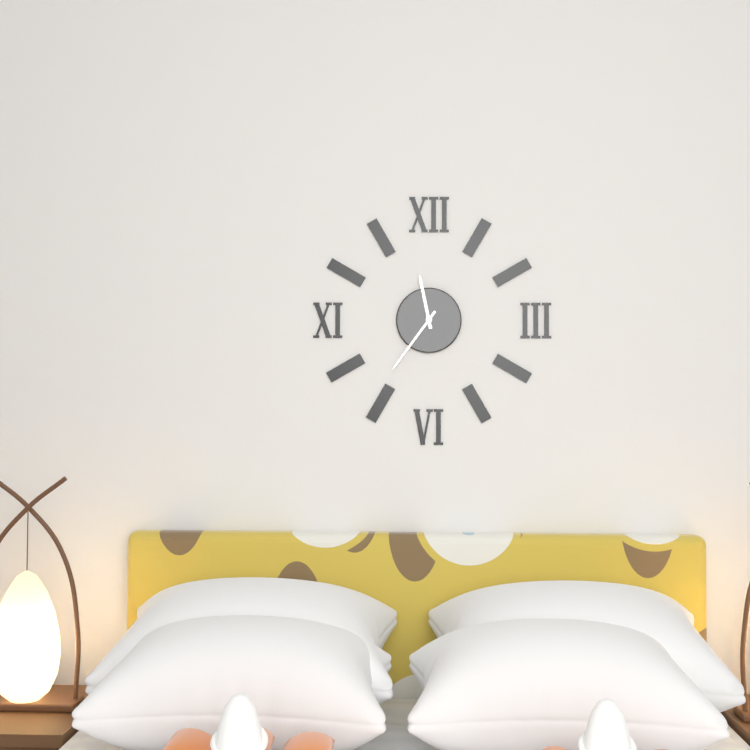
11:36
